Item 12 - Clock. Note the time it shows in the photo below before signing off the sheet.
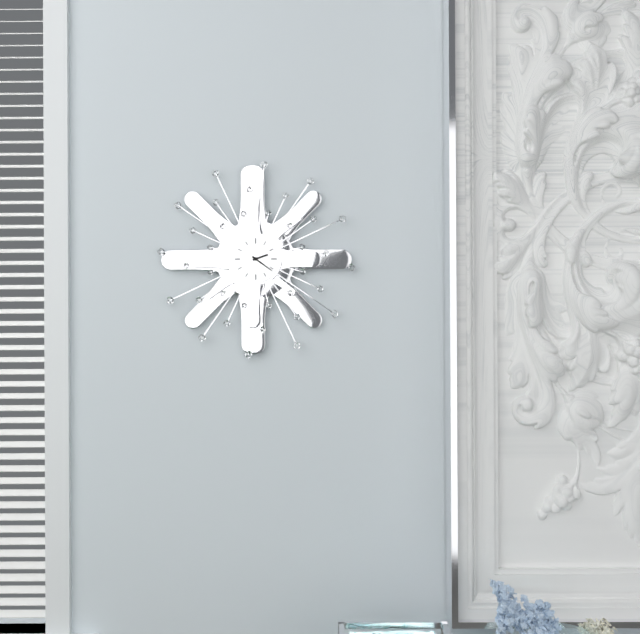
2:21
